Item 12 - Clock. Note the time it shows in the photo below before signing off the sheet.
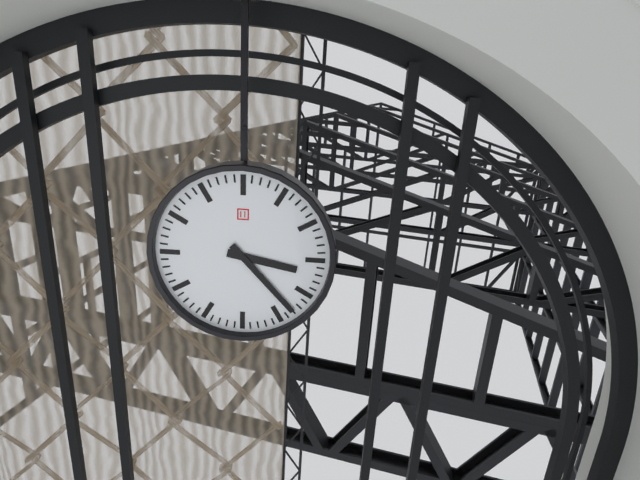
3:23
